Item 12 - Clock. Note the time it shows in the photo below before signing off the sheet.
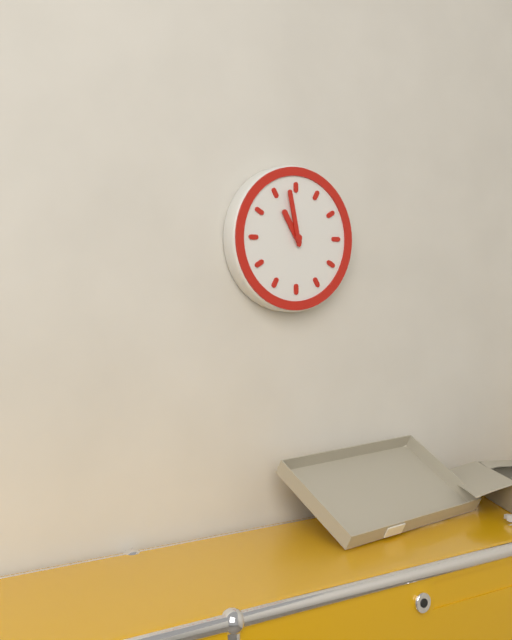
10:58
